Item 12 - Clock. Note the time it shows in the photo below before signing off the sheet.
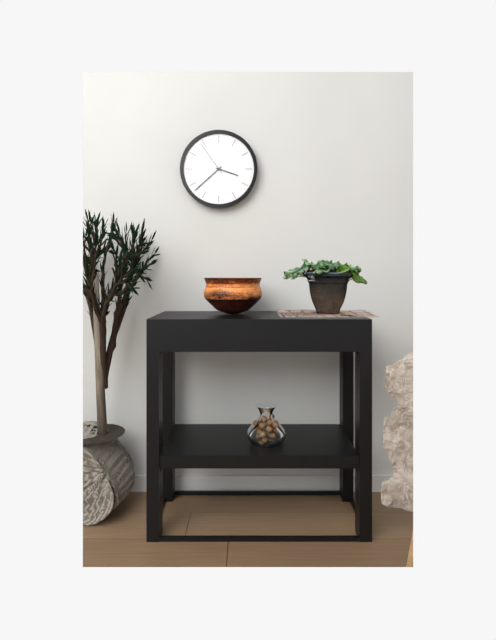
3:38
